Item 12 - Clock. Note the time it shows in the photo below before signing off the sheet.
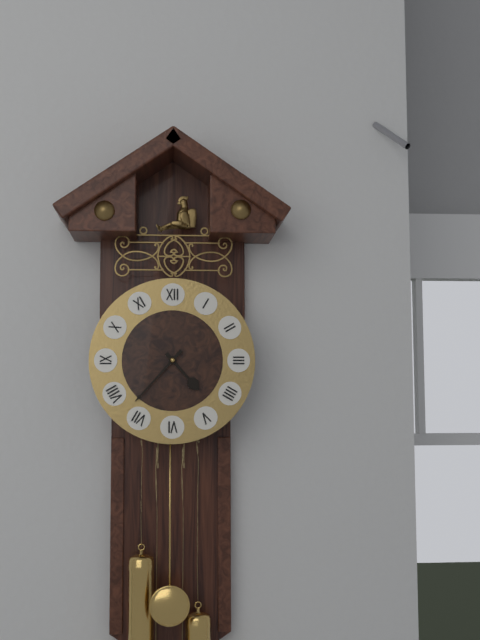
4:37
